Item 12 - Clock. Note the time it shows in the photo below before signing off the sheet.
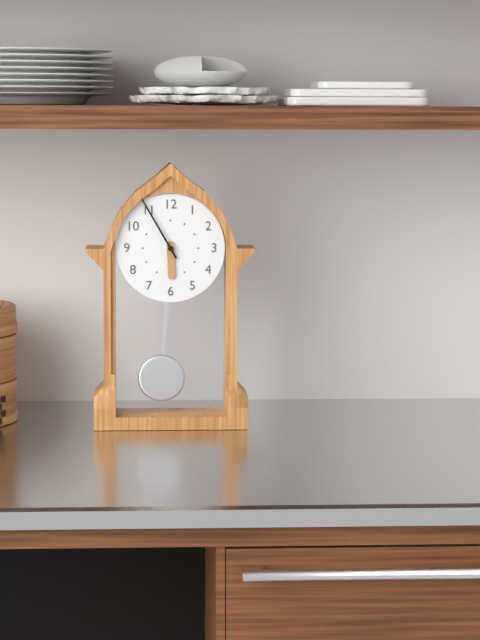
5:55
